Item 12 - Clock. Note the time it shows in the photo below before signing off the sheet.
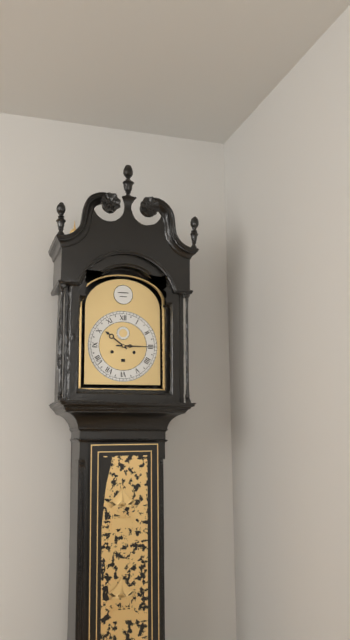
10:15
